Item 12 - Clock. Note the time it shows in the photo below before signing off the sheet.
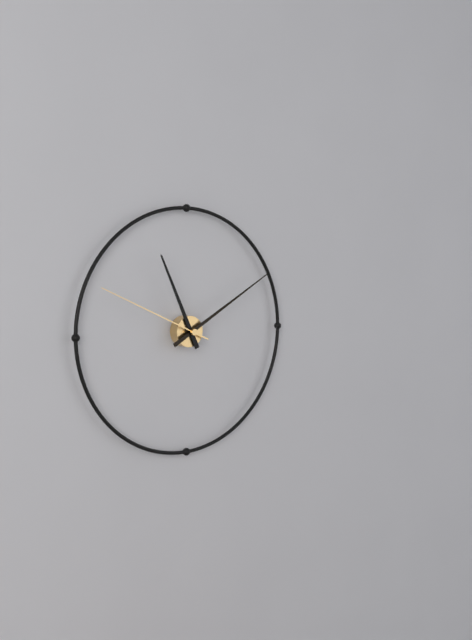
11:10:49
